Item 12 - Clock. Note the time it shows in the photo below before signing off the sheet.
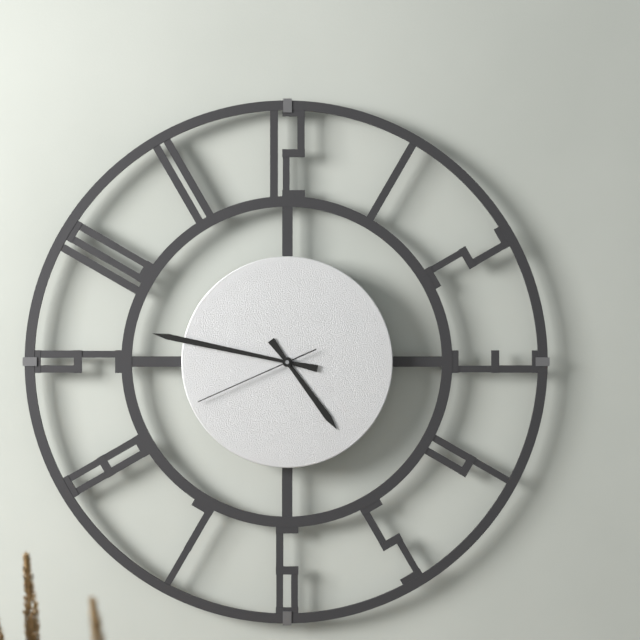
4:47:41
